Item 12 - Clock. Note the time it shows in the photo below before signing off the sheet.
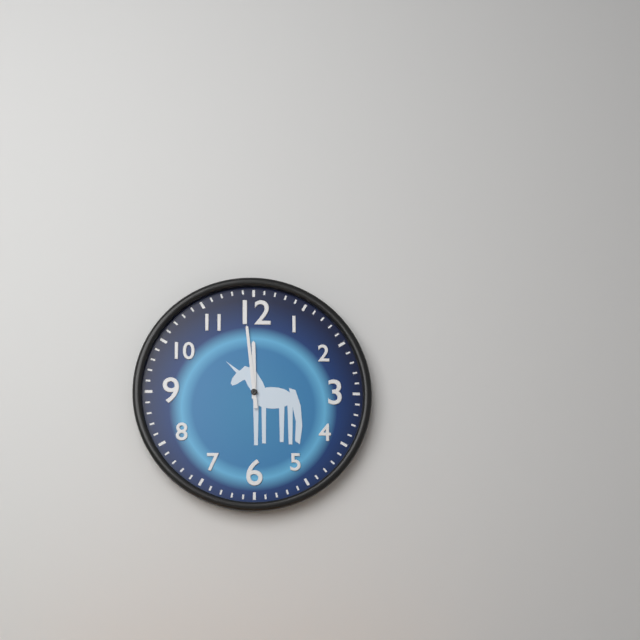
11:59
